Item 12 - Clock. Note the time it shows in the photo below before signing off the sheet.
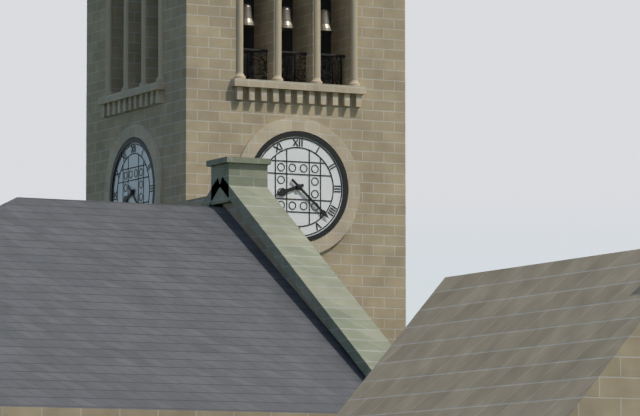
8:22
